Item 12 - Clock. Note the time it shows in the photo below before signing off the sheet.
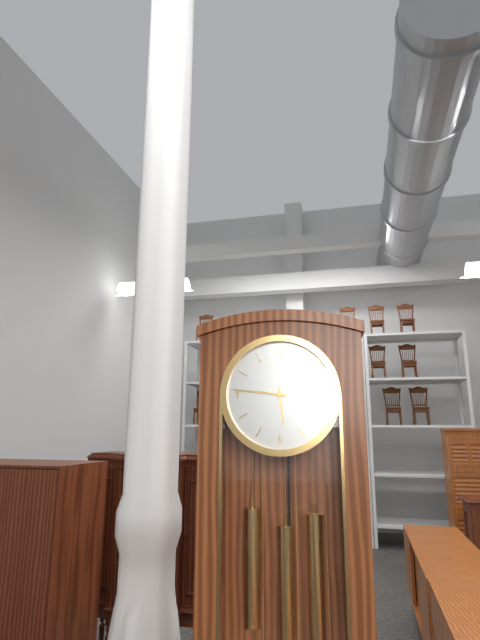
5:46
